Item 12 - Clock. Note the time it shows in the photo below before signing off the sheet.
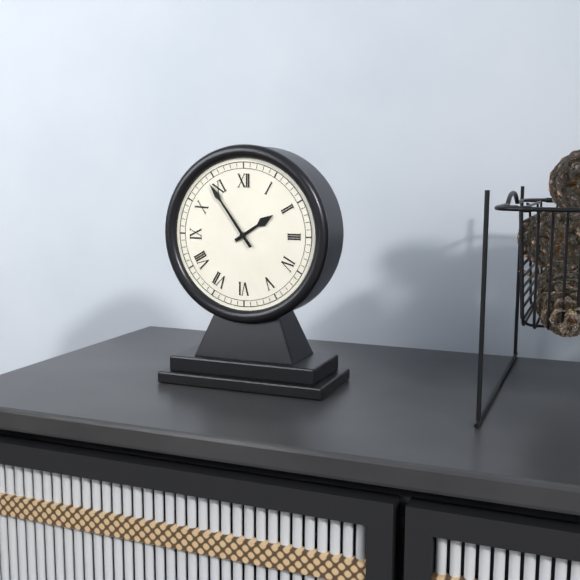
1:54
